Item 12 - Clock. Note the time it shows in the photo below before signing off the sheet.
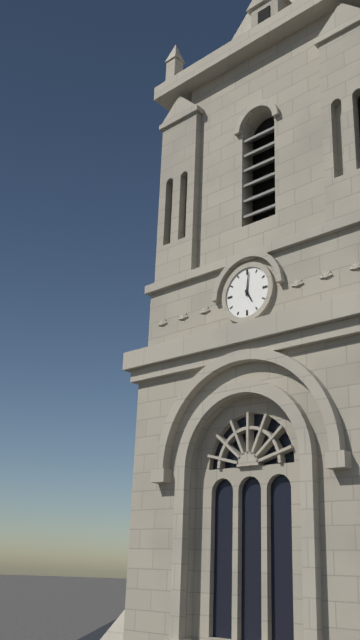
5:01
